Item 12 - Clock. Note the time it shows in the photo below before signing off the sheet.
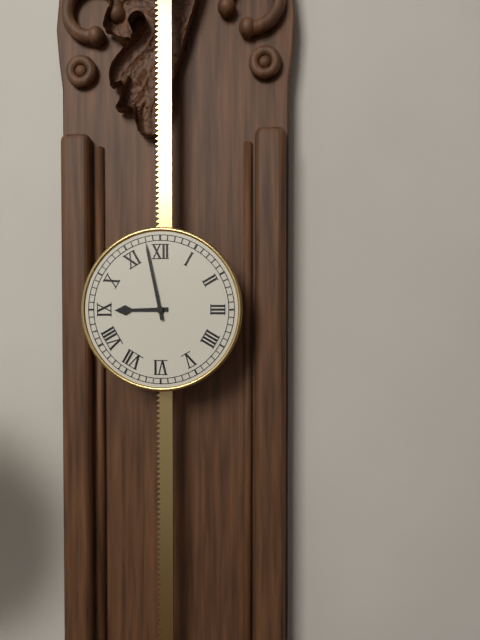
8:58
